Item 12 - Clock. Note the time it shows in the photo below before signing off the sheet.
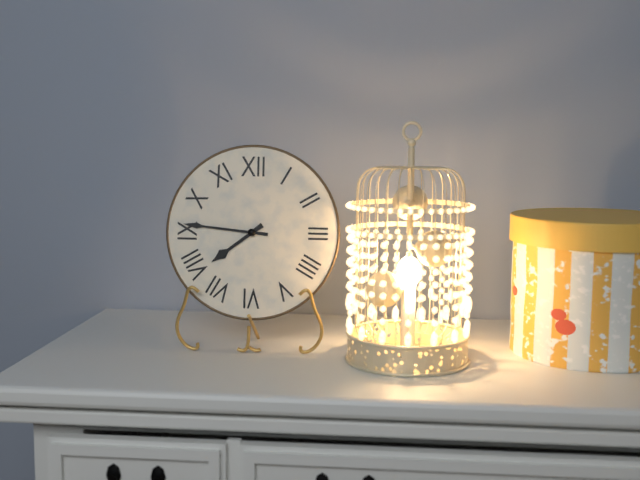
7:46
